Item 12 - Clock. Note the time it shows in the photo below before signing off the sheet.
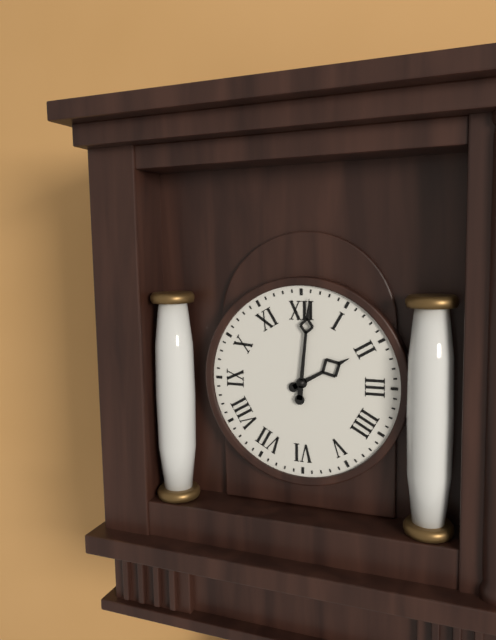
2:01
